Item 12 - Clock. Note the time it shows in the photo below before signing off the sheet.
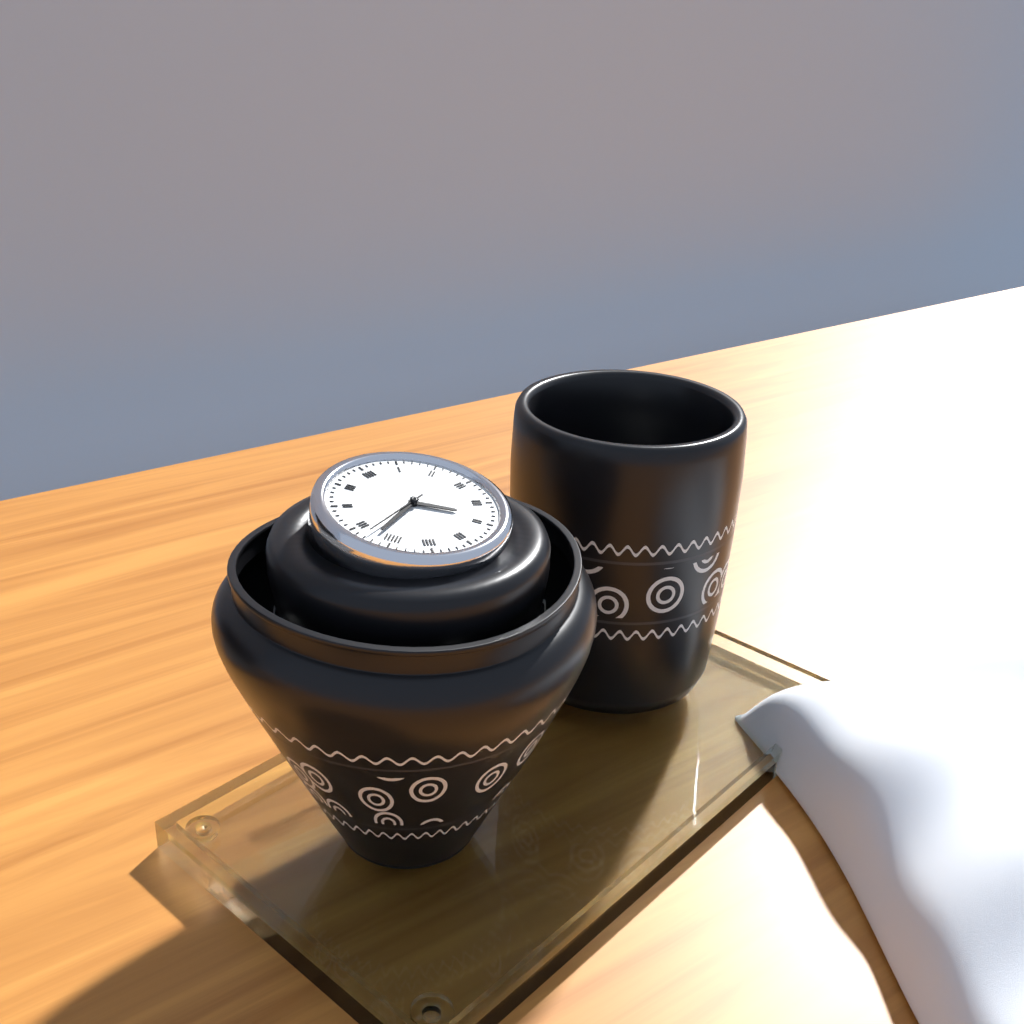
4:42:43
